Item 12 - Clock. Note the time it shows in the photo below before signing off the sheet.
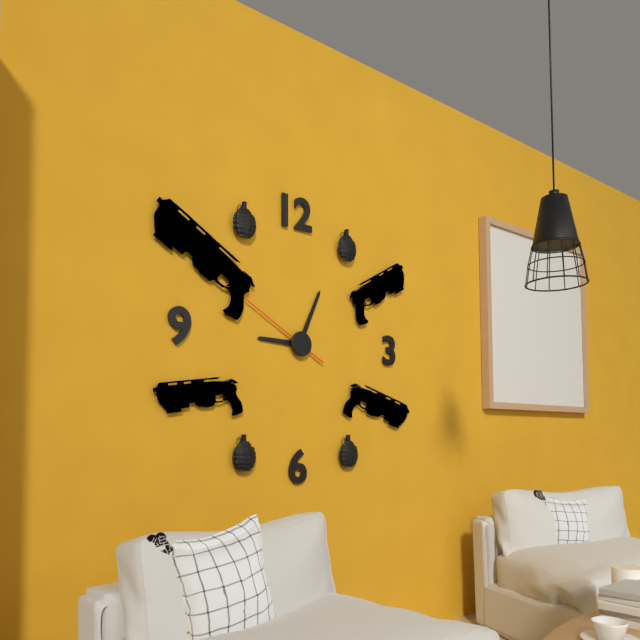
9:04:50
